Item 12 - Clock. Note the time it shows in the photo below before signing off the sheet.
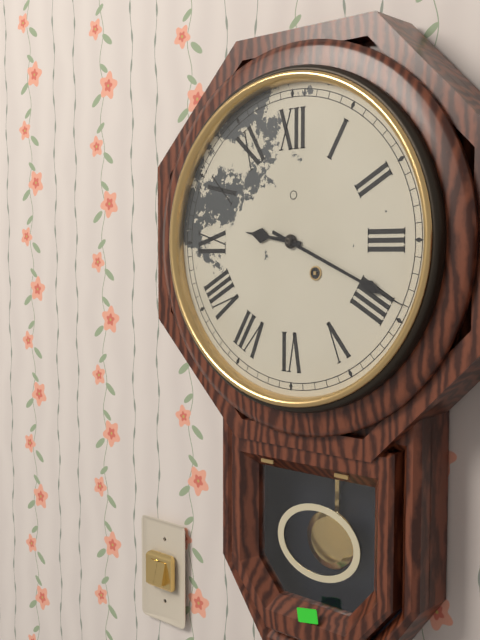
9:19
